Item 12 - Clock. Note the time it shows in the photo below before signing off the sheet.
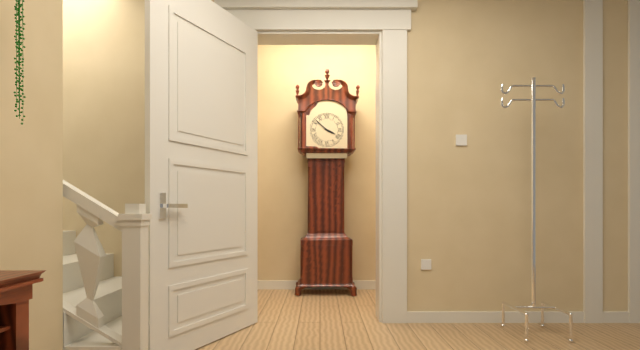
3:52
